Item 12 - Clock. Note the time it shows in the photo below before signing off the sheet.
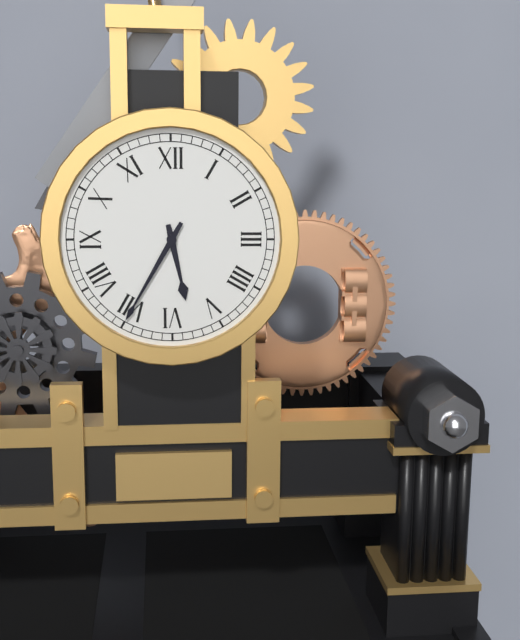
5:35
